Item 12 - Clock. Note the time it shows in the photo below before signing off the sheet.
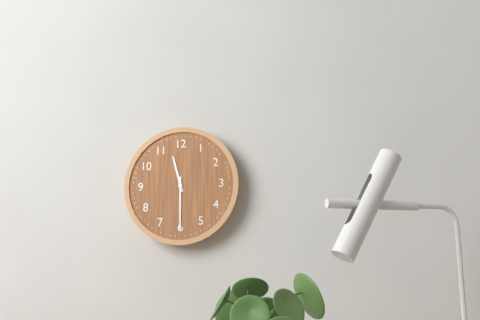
11:30
